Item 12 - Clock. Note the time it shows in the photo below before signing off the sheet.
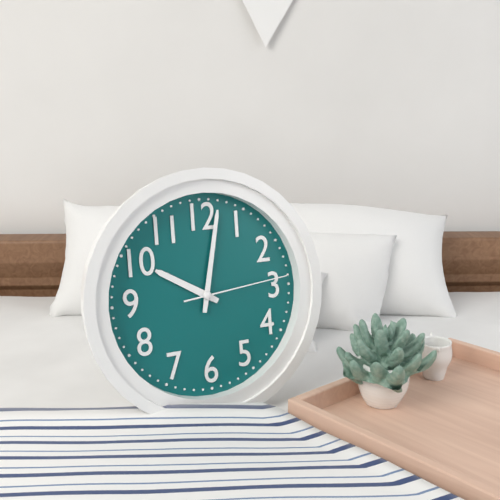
10:02:14
